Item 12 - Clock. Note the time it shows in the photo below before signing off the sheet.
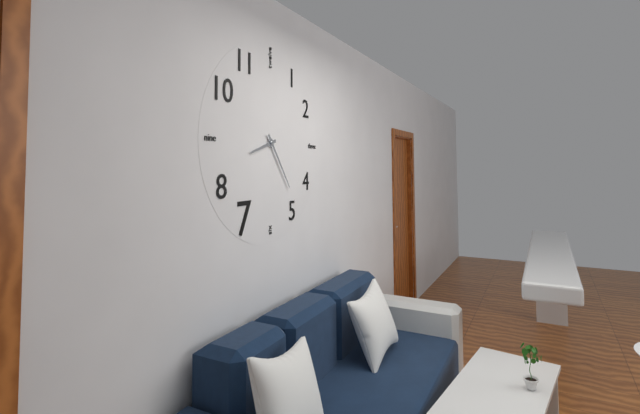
8:24
